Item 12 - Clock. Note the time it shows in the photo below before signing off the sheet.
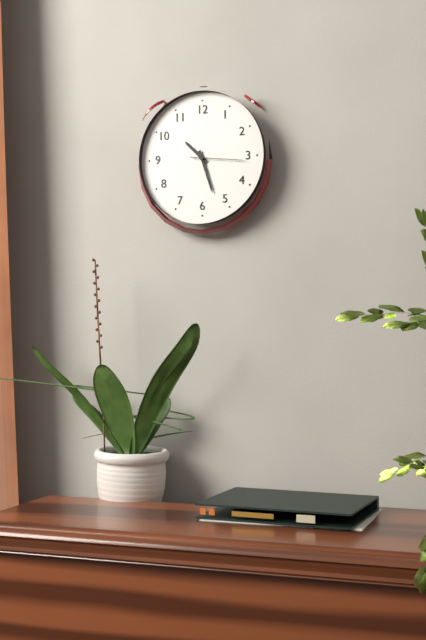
10:27:16
